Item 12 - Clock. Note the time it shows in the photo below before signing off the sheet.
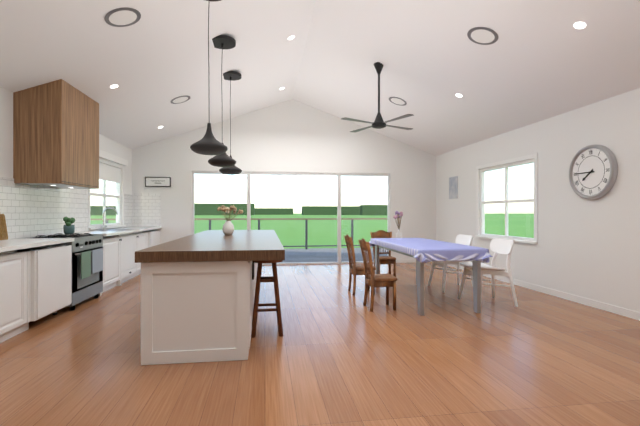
7:45
